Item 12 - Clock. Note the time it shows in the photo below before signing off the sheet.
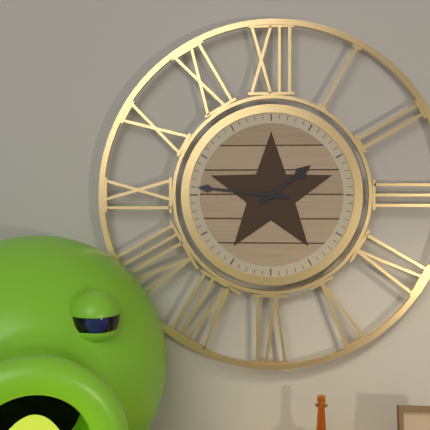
1:46
